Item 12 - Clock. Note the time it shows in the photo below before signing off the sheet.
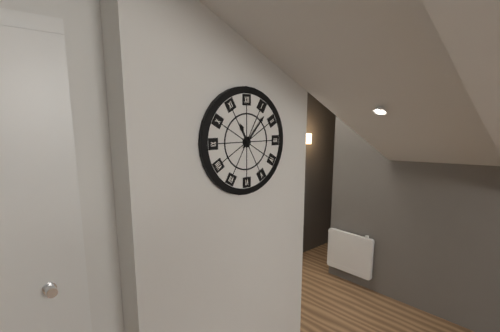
11:07
